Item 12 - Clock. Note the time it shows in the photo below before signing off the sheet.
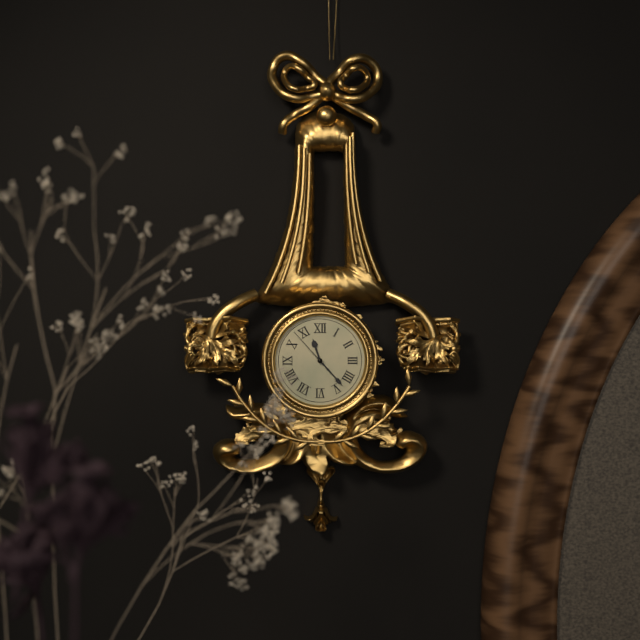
11:23
